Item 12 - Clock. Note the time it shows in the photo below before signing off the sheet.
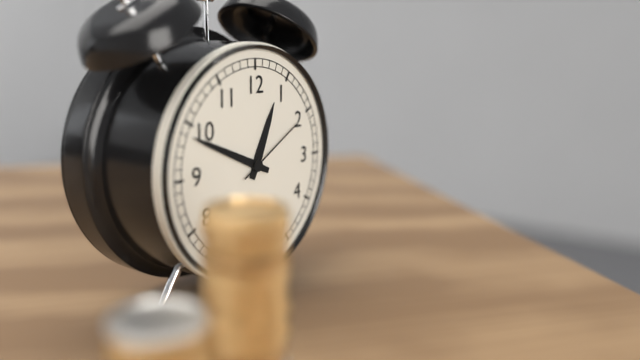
12:49:10
